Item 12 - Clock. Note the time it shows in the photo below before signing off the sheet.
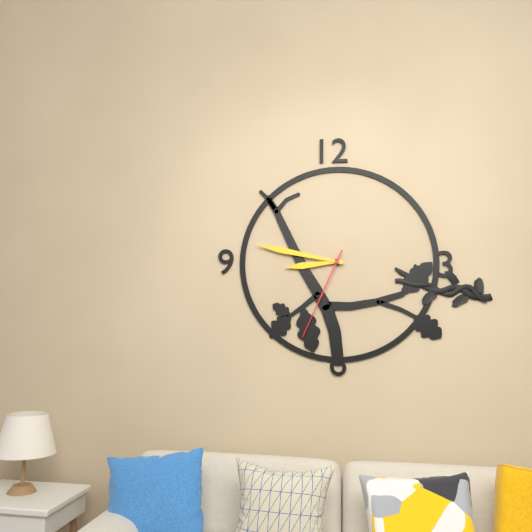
8:47:34
